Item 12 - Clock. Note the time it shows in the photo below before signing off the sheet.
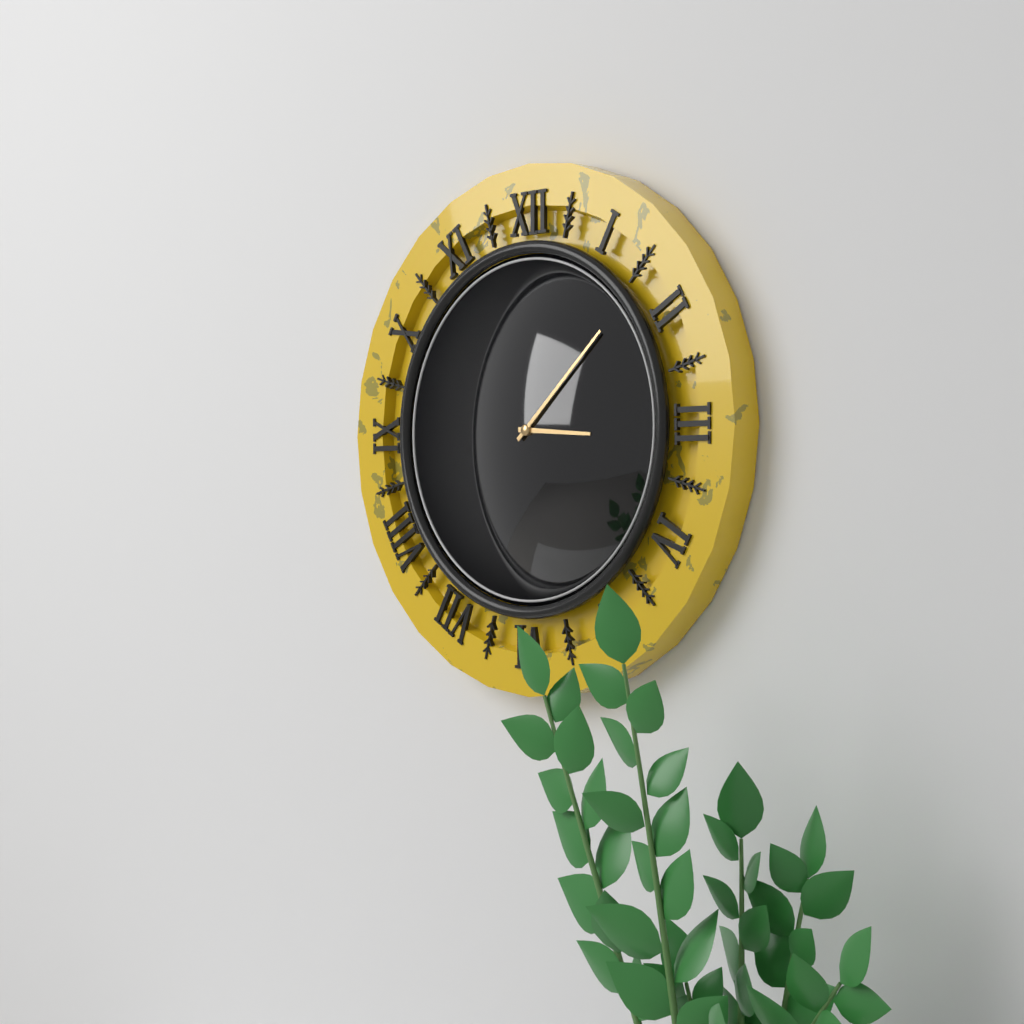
3:08
